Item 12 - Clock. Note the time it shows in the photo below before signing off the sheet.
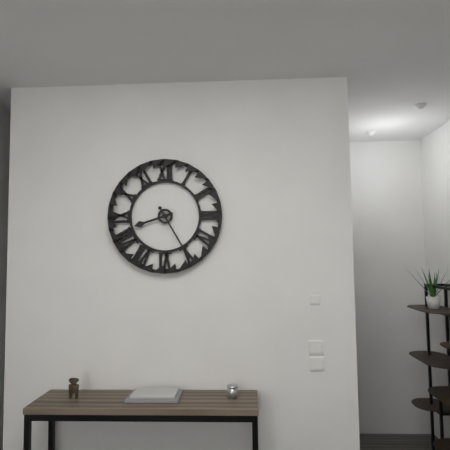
8:25
